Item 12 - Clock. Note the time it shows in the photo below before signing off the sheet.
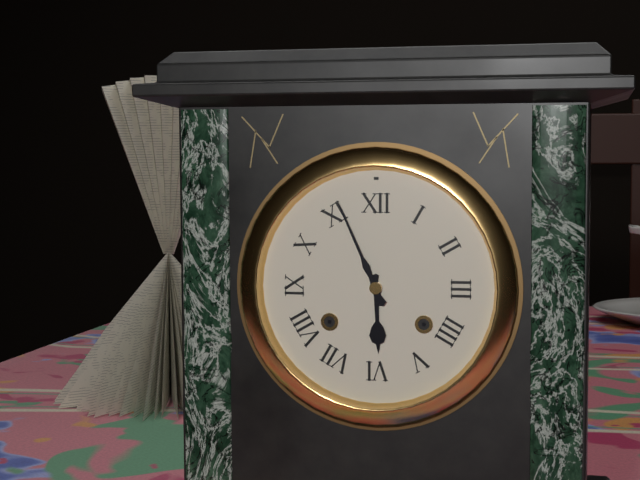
5:56
